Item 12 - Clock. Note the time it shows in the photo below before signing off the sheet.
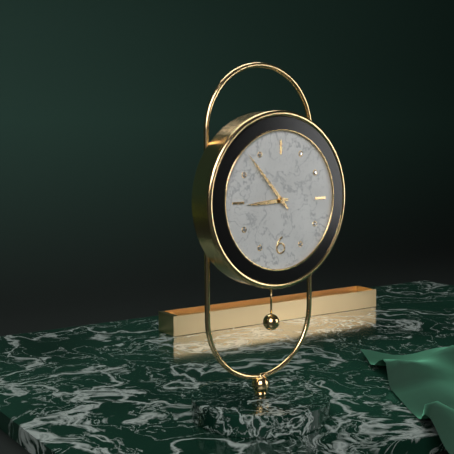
8:53
